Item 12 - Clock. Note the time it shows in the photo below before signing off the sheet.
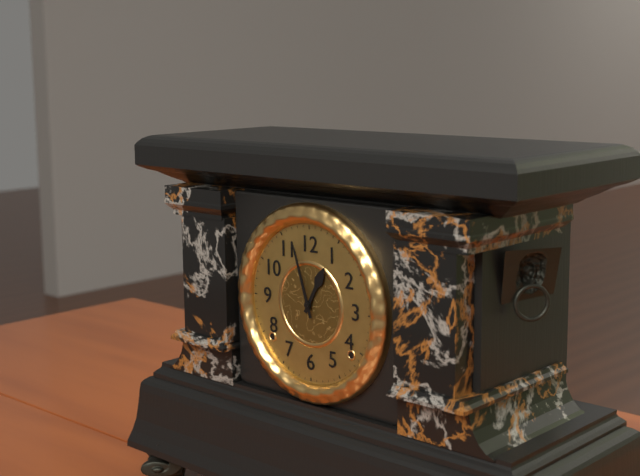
12:57
